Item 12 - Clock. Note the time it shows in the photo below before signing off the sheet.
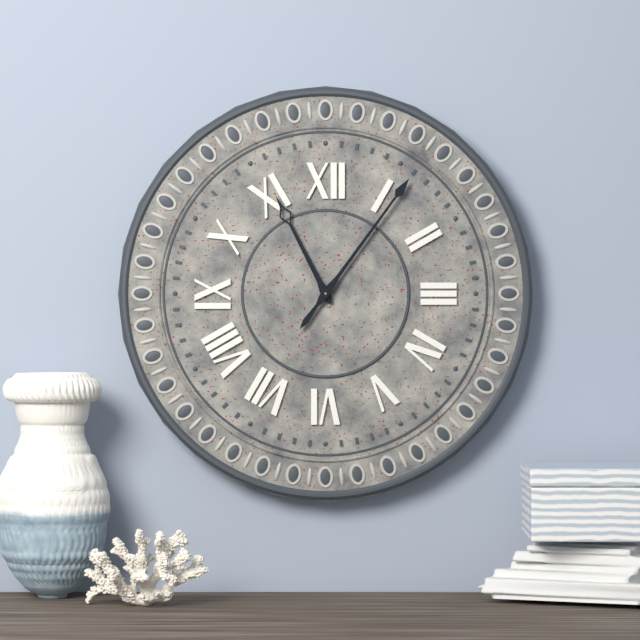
11:06
